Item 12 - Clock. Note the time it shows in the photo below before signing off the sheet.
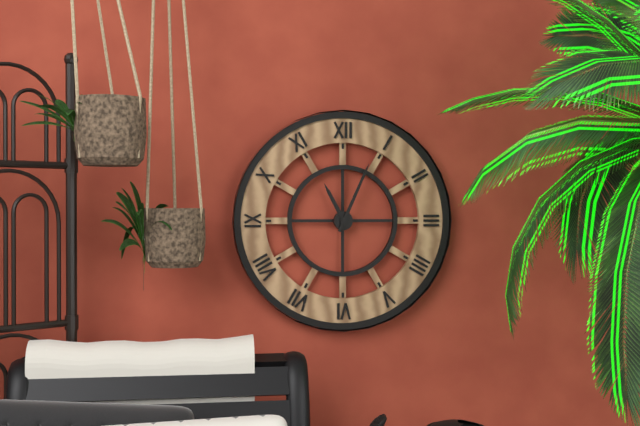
11:04
